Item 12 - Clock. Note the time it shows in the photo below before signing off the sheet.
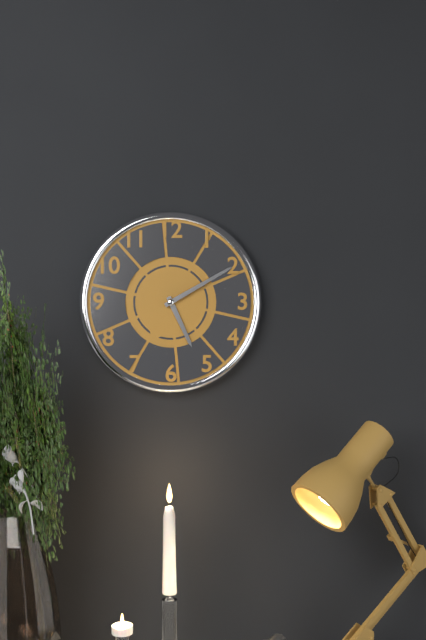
5:10
